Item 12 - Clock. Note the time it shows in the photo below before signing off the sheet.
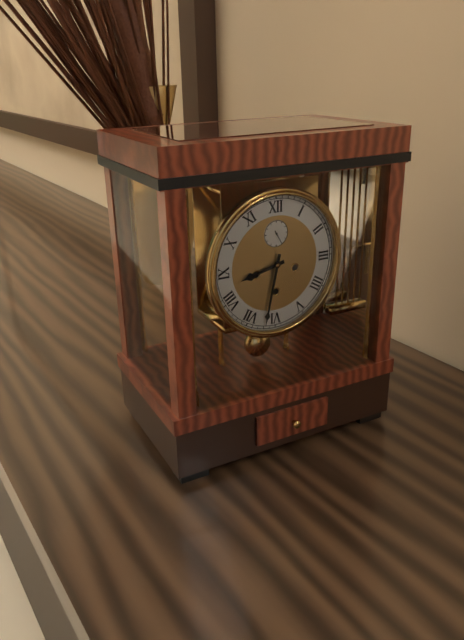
8:32
